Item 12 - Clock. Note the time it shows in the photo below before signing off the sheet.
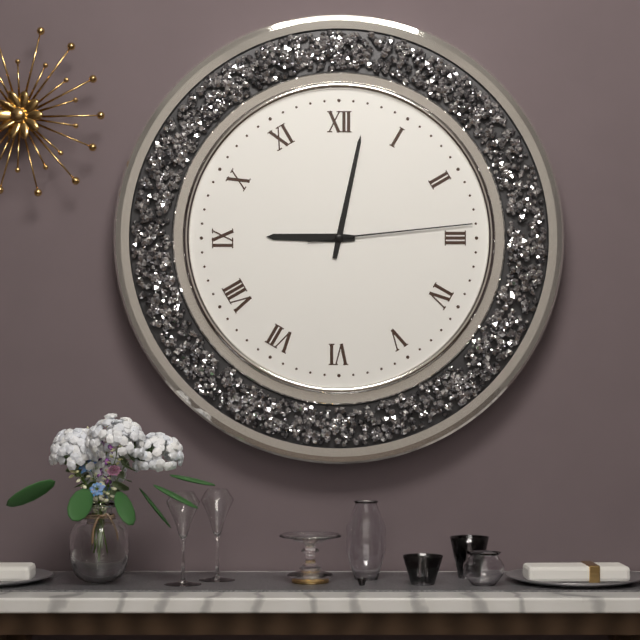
9:02:14
